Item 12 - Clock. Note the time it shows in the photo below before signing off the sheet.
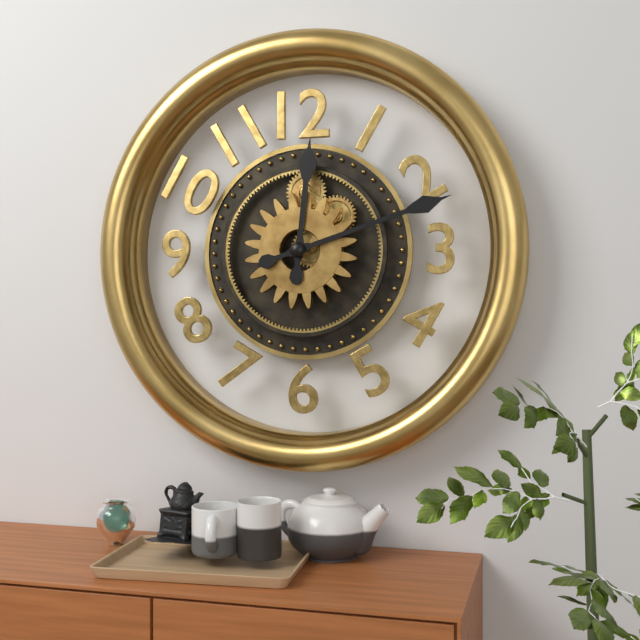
12:12
